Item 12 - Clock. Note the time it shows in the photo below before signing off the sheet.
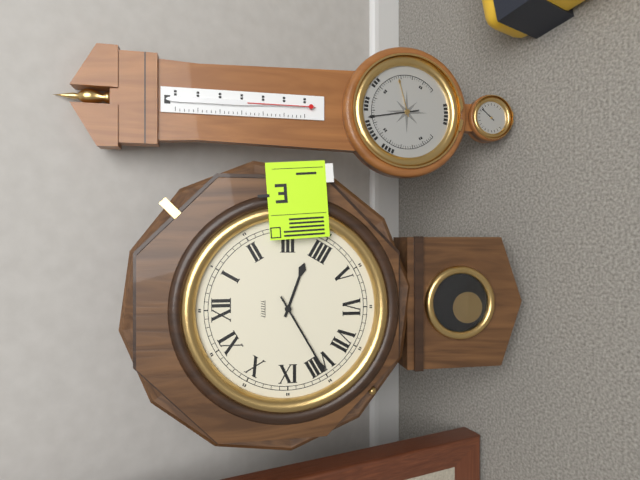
3:40
